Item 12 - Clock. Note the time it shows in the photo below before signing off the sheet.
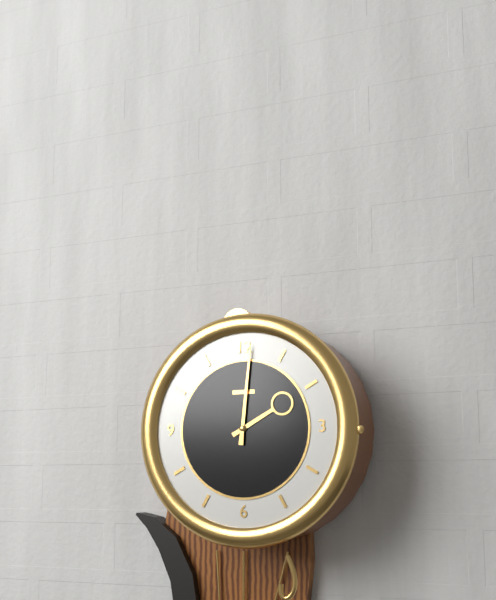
2:01
